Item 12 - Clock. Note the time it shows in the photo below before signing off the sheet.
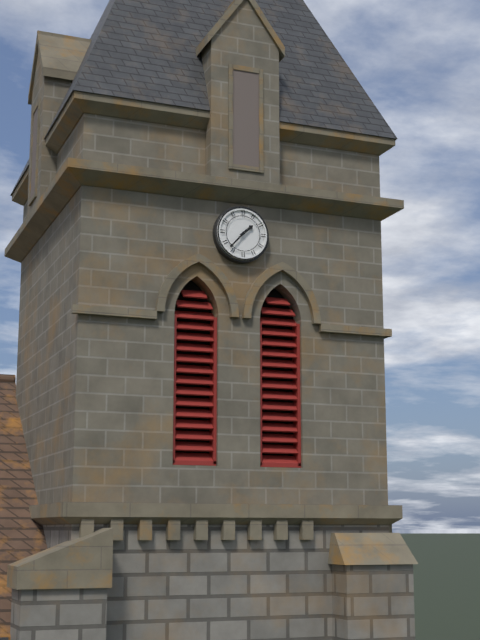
1:37
